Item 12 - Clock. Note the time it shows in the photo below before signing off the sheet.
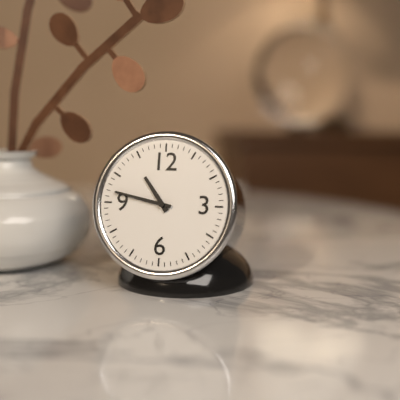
10:47
